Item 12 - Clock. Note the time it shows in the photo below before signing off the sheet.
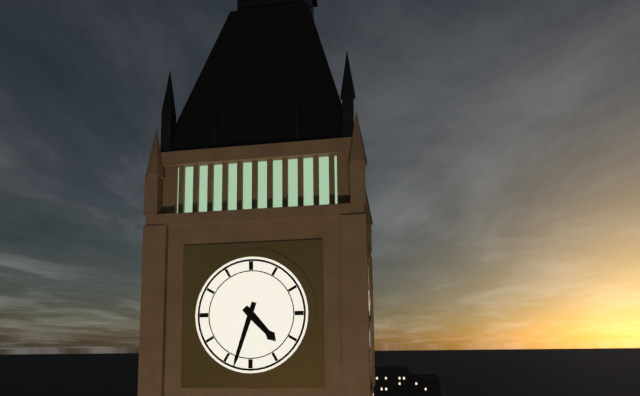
4:33
